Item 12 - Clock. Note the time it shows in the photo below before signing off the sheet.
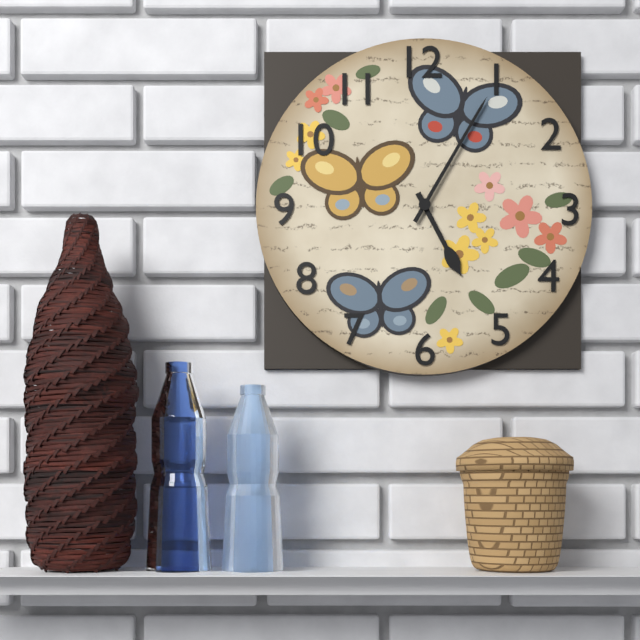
5:05
